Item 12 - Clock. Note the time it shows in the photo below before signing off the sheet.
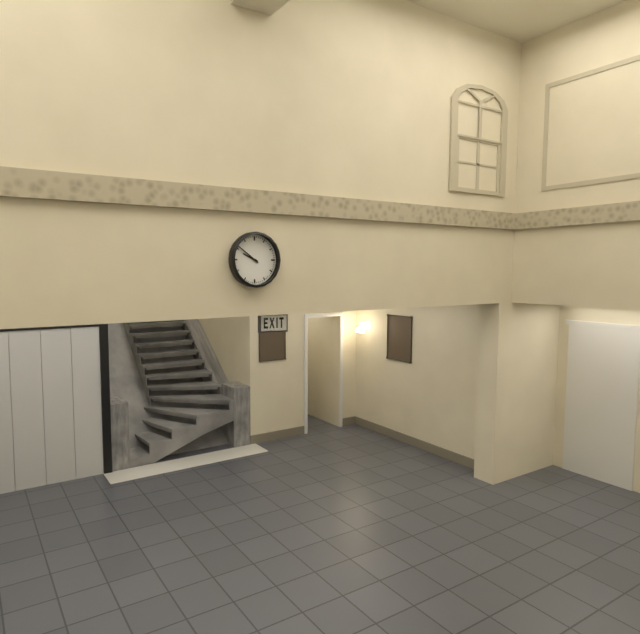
9:51
